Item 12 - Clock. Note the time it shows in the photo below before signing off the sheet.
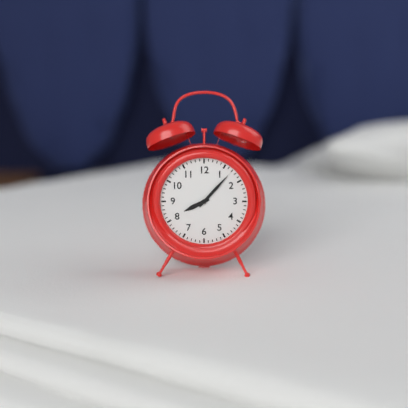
8:07
